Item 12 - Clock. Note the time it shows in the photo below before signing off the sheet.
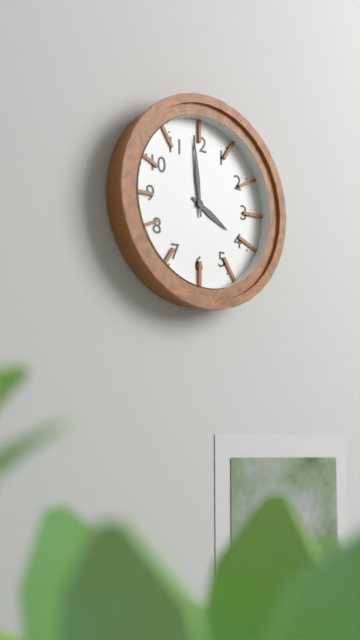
3:59
